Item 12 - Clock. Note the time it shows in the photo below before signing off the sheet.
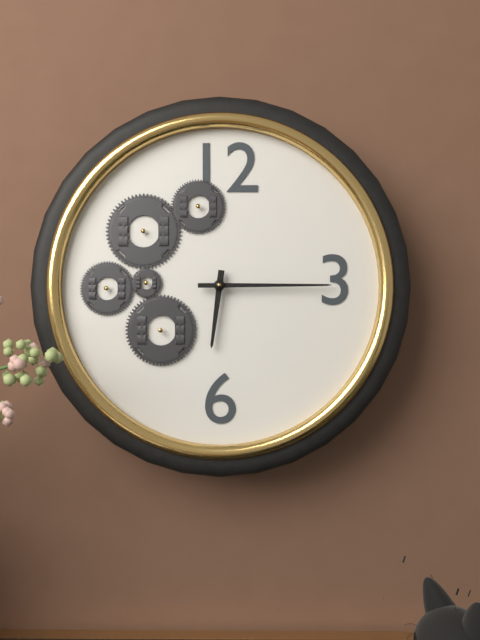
6:15
